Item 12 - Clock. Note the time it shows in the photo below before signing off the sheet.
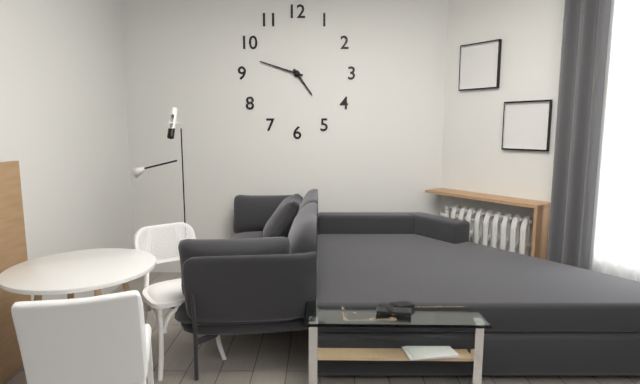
4:48
